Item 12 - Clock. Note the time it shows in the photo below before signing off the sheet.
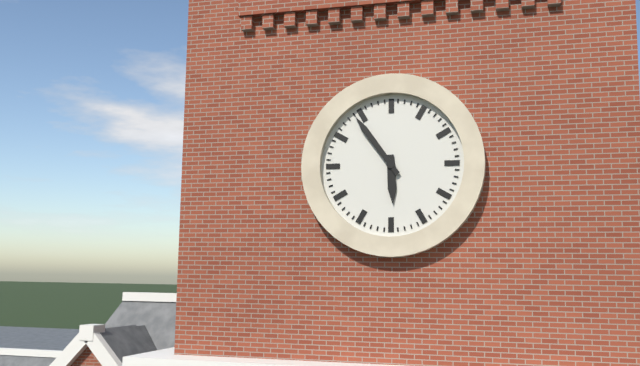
5:54
